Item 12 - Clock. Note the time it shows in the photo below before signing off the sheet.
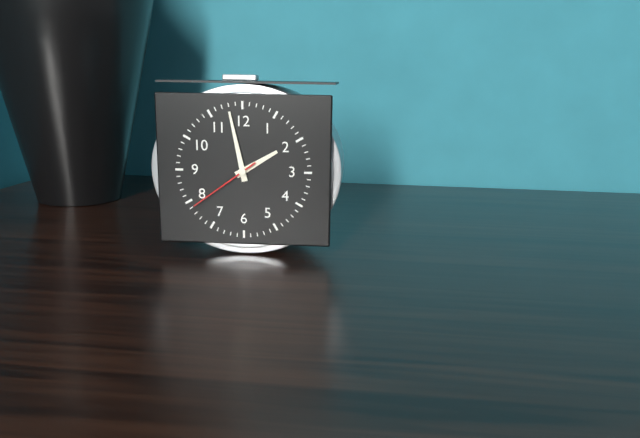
1:58:39
